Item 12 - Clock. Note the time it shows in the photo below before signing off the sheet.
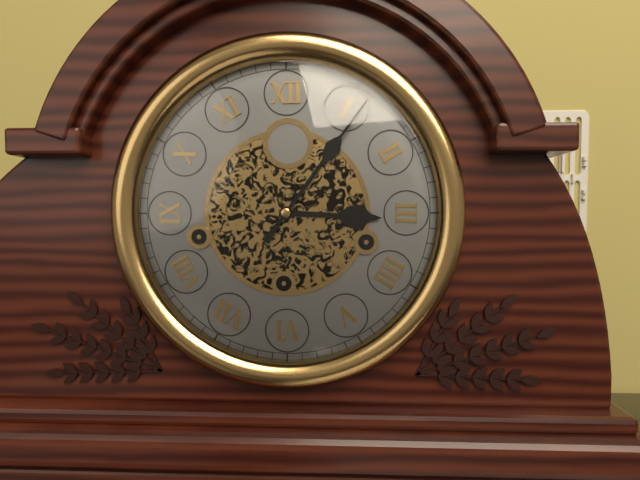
3:06
